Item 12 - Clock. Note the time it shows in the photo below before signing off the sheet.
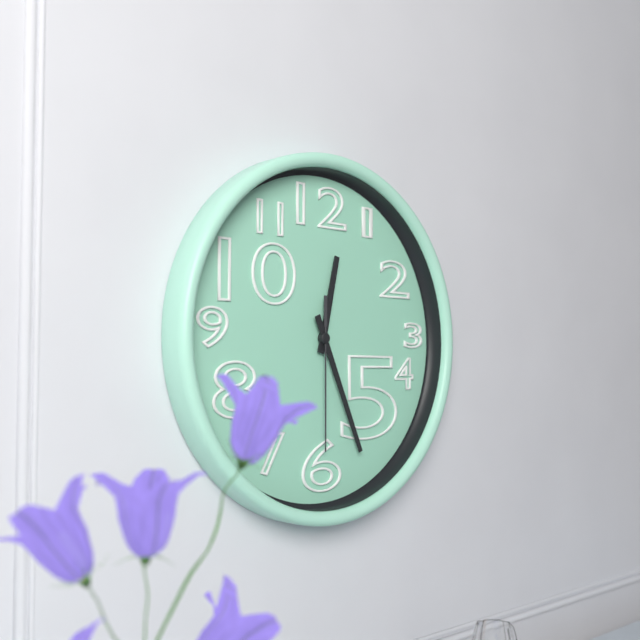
12:26:30
